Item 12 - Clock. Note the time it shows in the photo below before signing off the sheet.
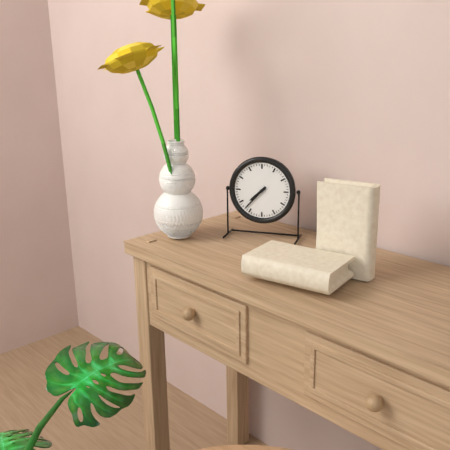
7:37
